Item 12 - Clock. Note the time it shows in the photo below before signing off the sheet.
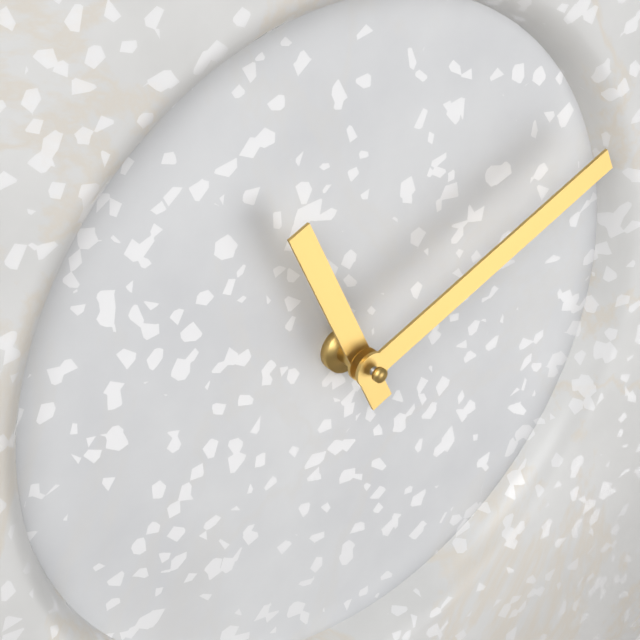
11:11
